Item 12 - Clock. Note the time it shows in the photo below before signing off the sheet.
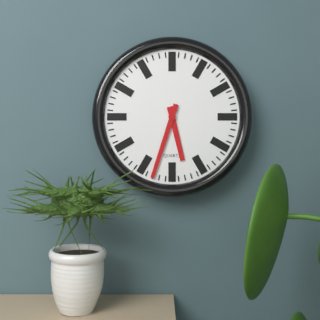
5:33
